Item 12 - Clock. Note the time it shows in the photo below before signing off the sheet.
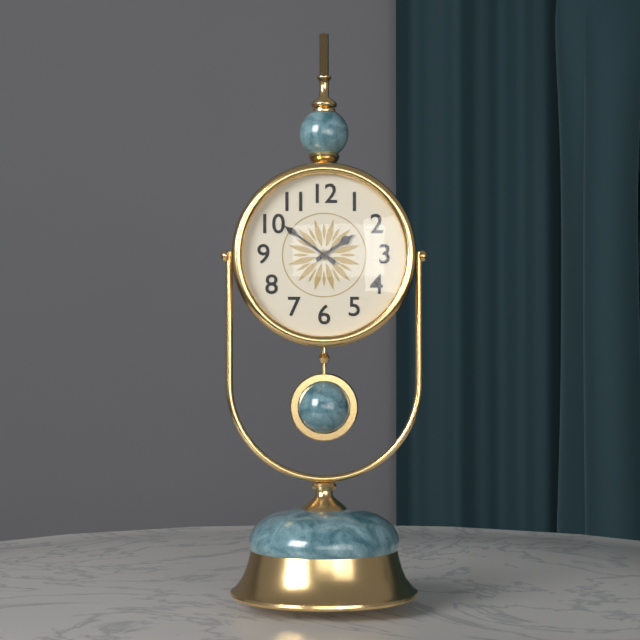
1:51
